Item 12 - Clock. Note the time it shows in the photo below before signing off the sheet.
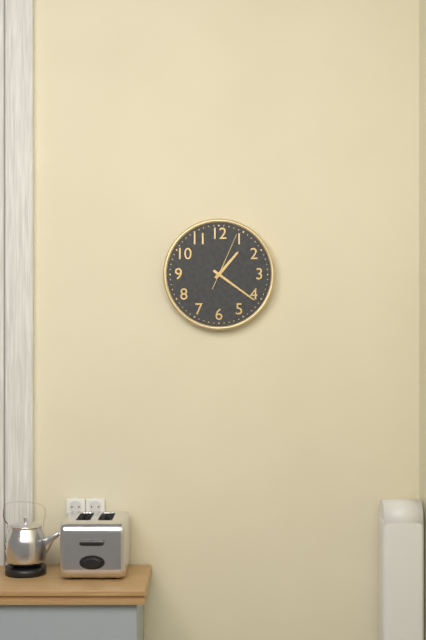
1:21:04
